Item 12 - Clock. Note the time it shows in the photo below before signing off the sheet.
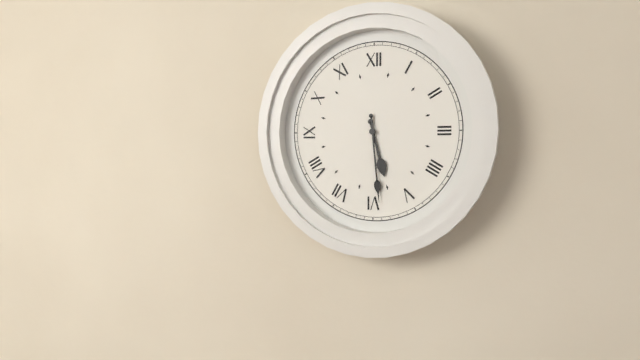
5:29
